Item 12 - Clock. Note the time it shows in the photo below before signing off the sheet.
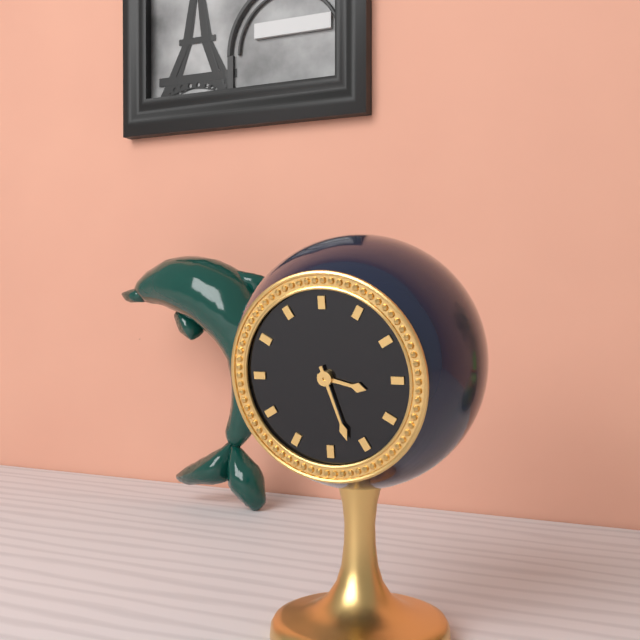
3:27
